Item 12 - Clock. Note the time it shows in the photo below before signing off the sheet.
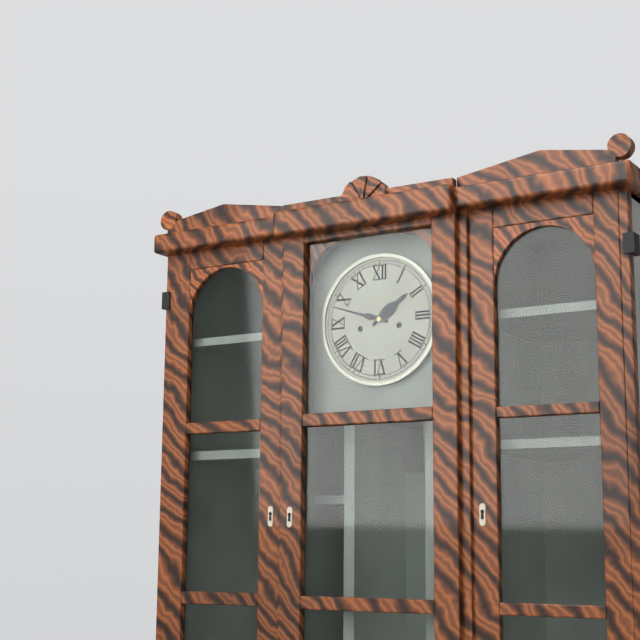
1:48
